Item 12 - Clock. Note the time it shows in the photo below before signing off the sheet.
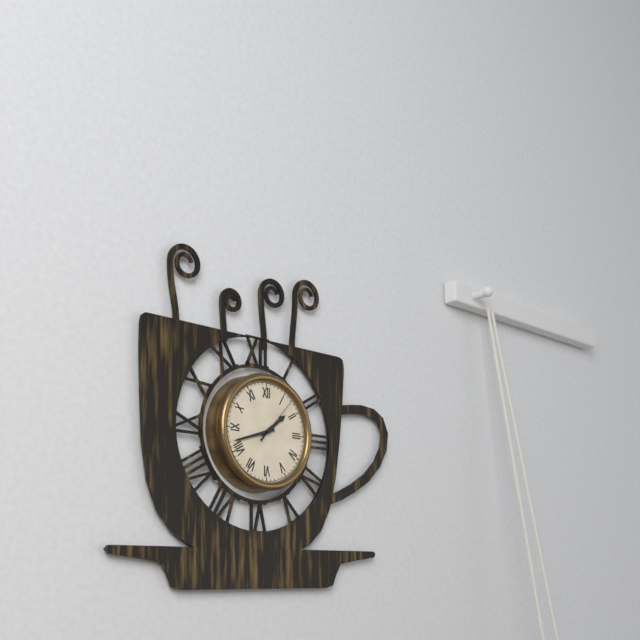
1:42
